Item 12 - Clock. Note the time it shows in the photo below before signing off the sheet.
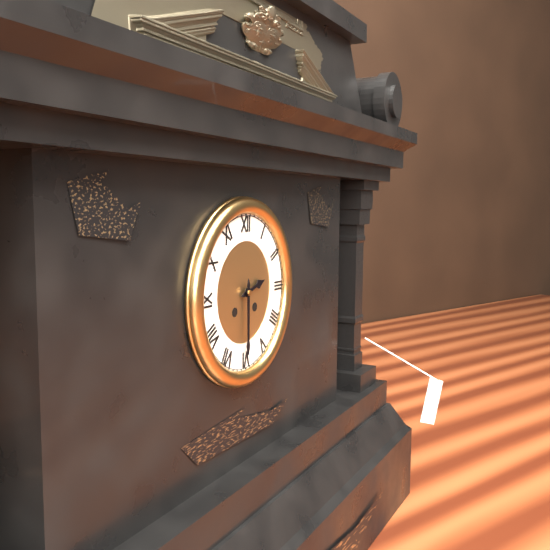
2:30
